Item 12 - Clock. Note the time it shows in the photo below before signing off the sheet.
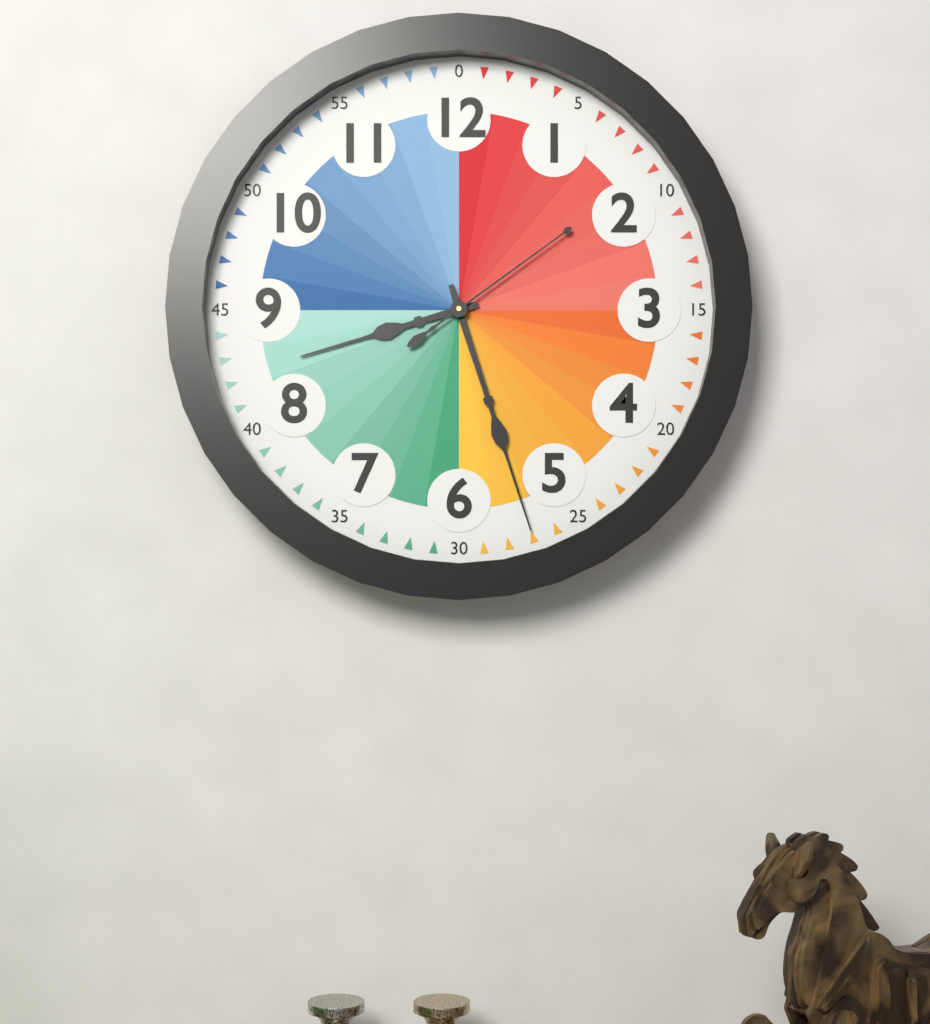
8:27:09
